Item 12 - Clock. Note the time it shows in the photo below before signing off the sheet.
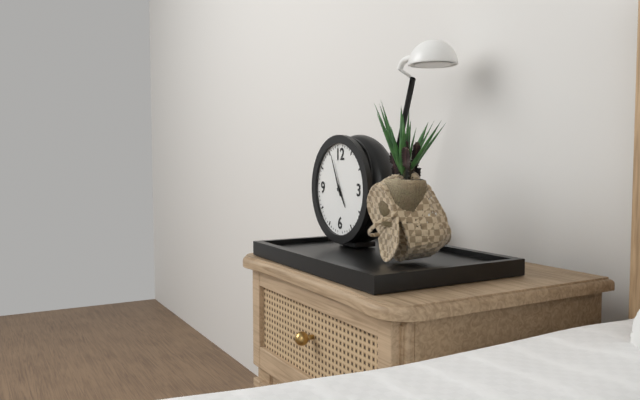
4:56
